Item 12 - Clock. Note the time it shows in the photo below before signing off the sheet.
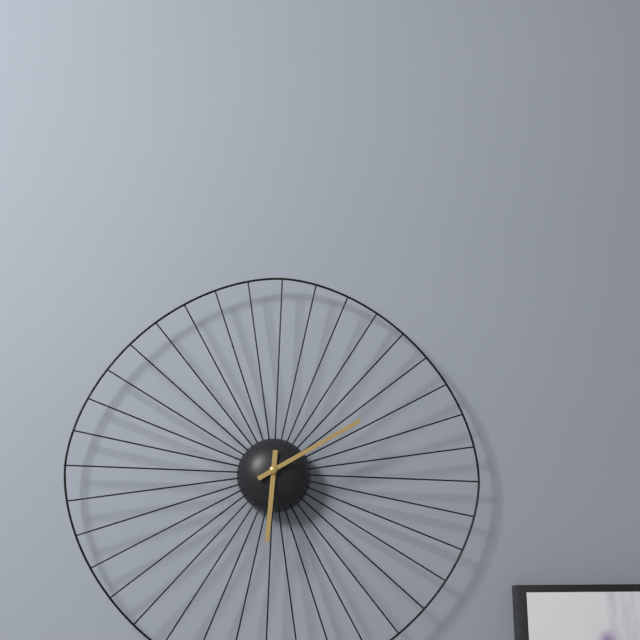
6:10
